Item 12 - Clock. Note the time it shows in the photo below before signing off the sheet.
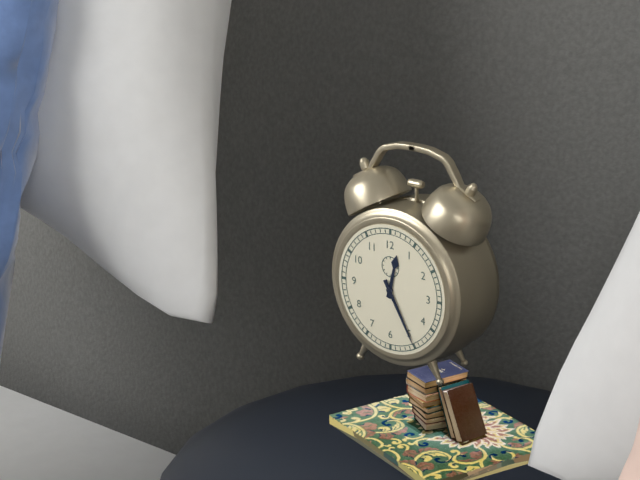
12:25
